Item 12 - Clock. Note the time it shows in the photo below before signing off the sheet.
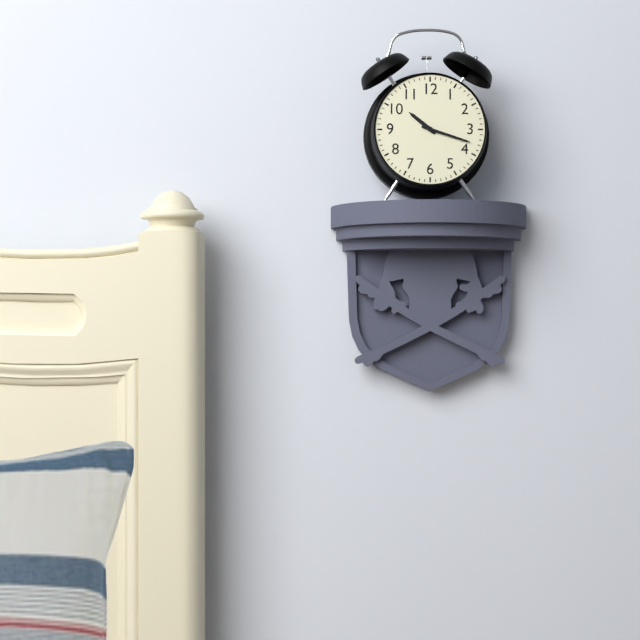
10:18
